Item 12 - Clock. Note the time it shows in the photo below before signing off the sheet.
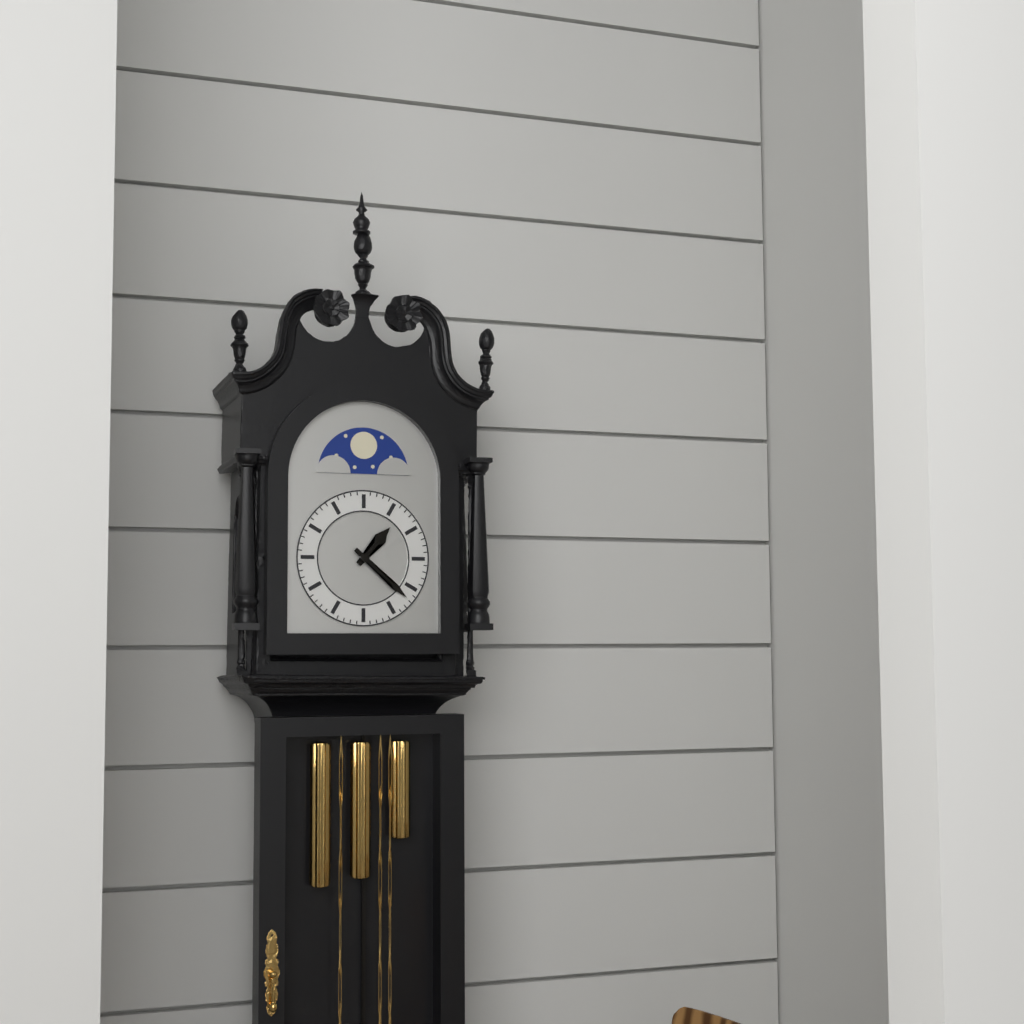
1:22
